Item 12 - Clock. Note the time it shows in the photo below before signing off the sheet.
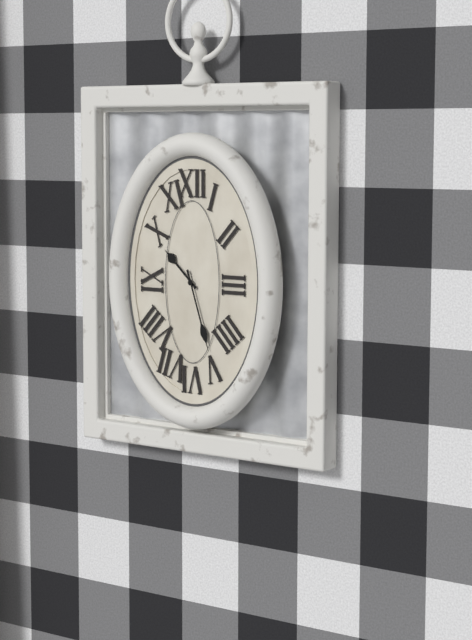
10:27
